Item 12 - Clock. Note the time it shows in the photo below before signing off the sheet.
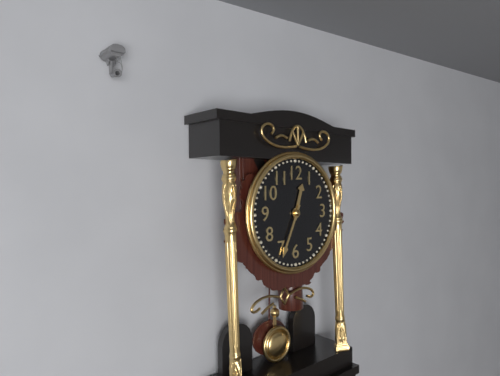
12:34
